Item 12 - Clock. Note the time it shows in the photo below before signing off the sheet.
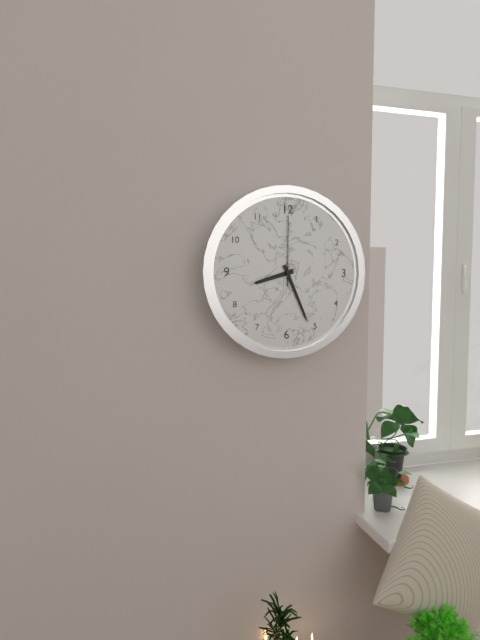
8:26:00
